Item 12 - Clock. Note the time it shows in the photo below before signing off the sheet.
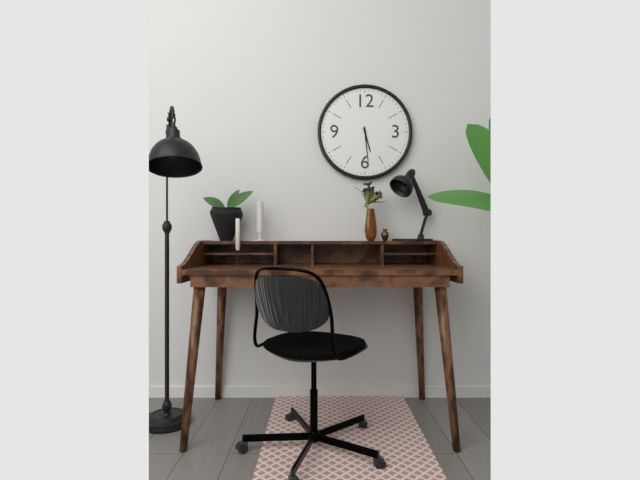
5:29
